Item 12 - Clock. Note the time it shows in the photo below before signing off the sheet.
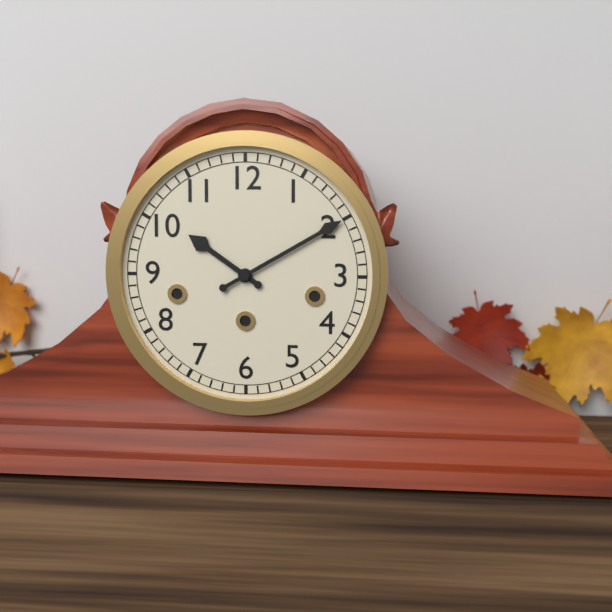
10:10
